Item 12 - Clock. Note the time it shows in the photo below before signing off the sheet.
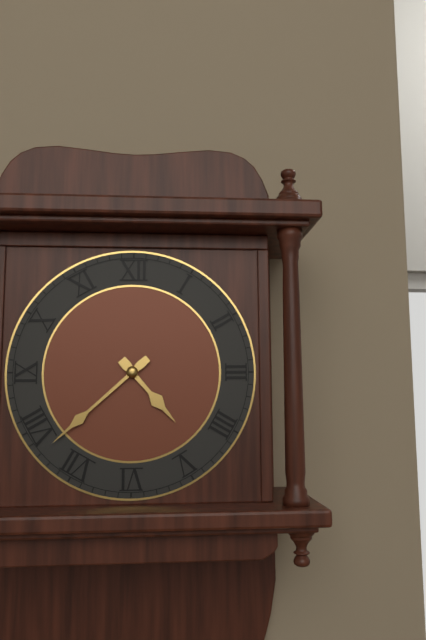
4:38
